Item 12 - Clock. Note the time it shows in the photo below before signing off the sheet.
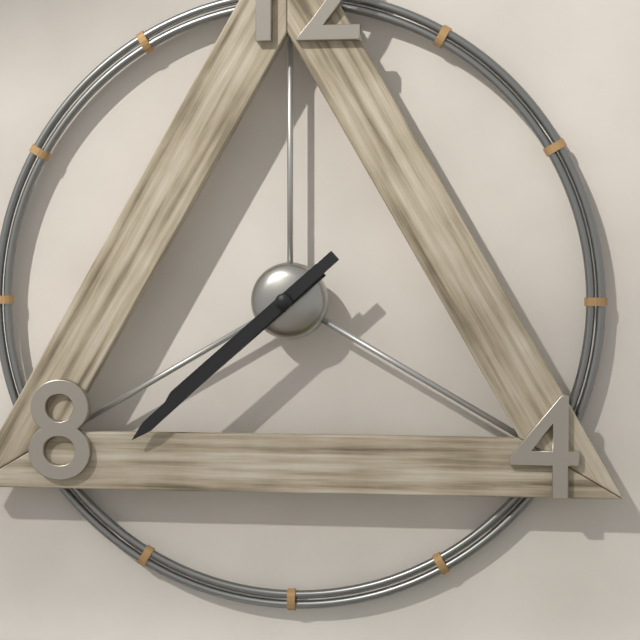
7:38
